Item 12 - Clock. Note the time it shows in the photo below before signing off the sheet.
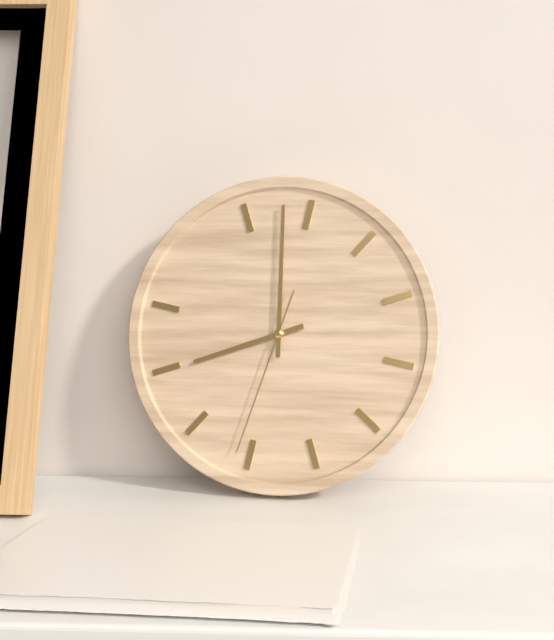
7:58:31
